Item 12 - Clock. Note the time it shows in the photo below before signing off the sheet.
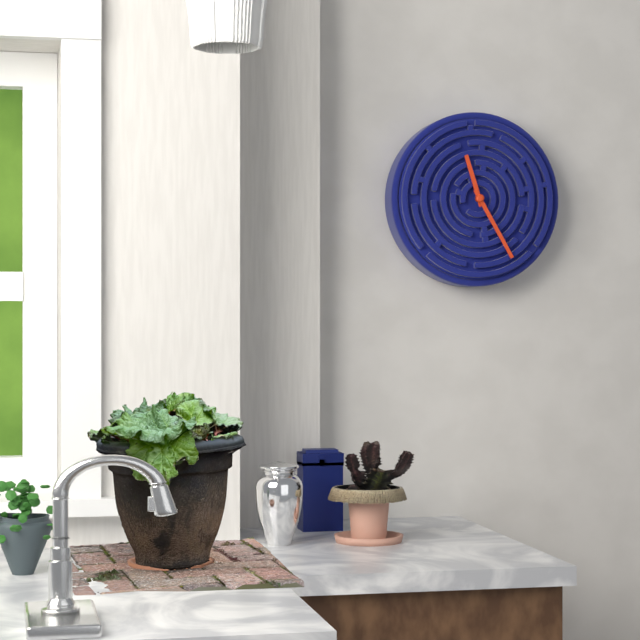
11:25
